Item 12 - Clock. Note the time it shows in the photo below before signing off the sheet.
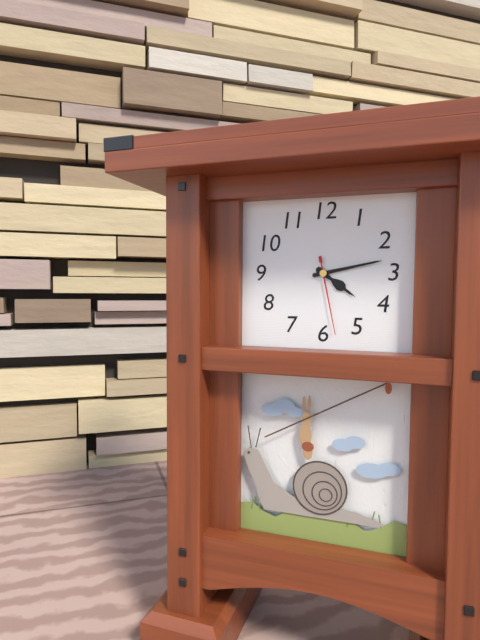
4:13:28
